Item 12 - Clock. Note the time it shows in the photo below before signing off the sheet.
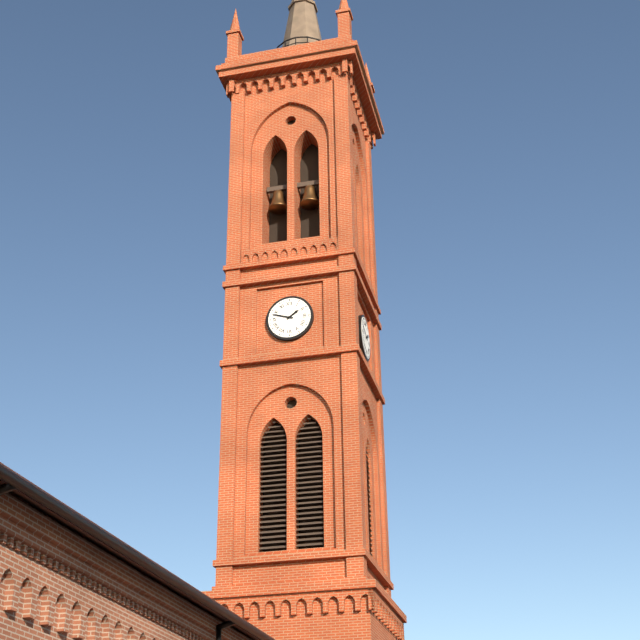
1:48
